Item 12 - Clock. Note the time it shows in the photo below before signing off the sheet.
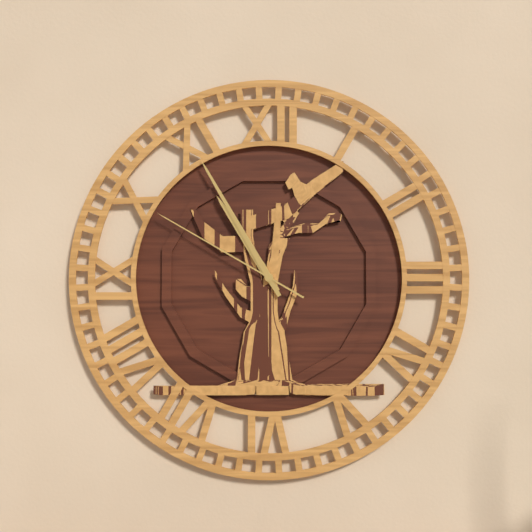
10:55:50
